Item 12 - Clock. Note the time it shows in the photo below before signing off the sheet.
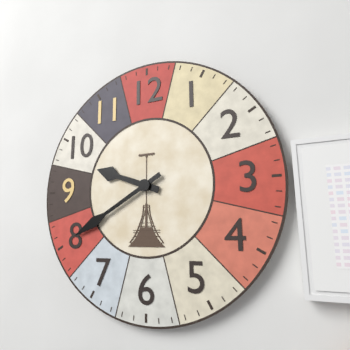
9:40
